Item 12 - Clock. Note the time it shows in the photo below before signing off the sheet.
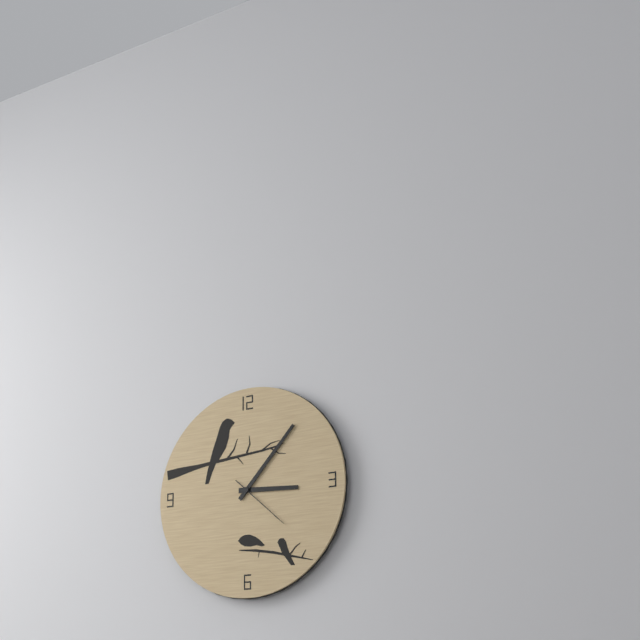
3:07:22
